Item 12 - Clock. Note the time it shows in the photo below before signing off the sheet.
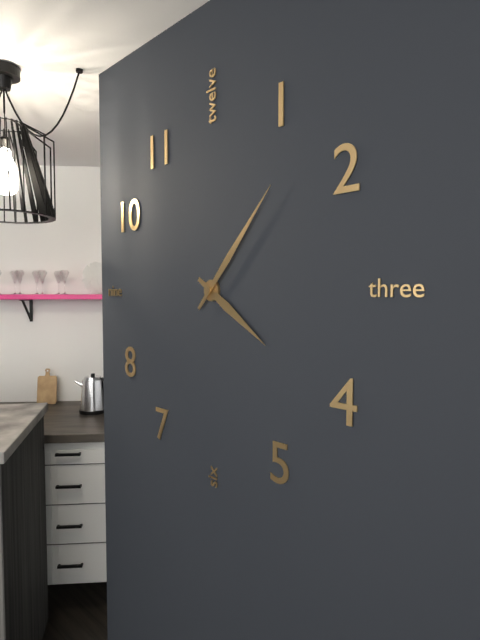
4:07
